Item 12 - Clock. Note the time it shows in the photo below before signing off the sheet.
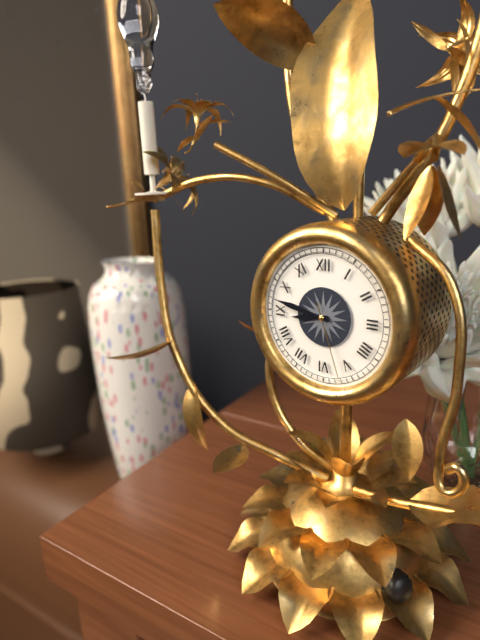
8:47:27
